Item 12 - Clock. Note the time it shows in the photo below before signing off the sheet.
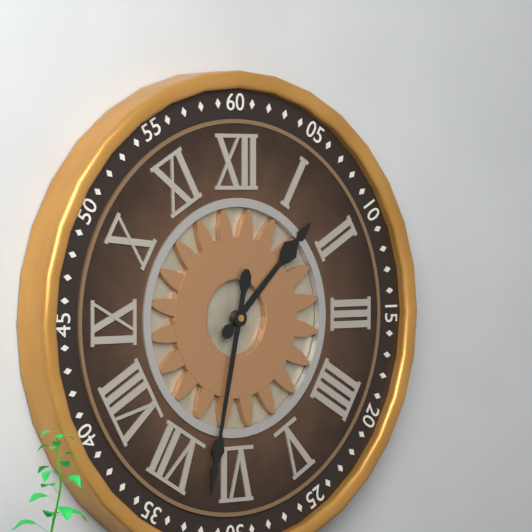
1:32
